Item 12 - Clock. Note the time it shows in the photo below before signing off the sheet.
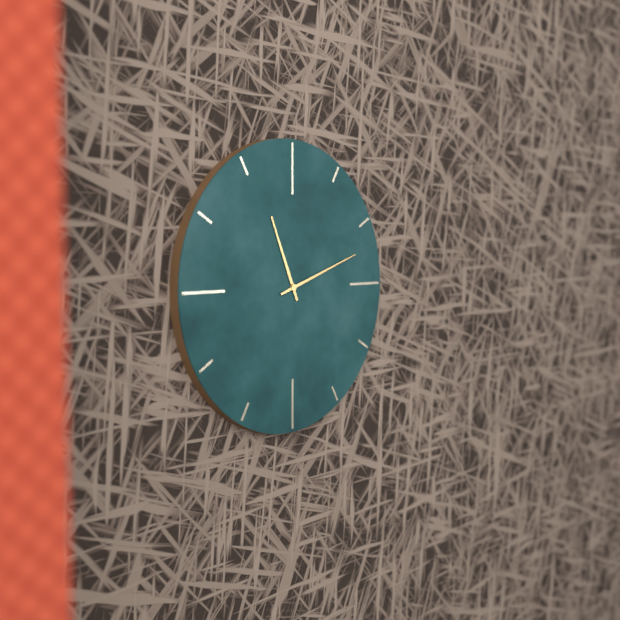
11:12
